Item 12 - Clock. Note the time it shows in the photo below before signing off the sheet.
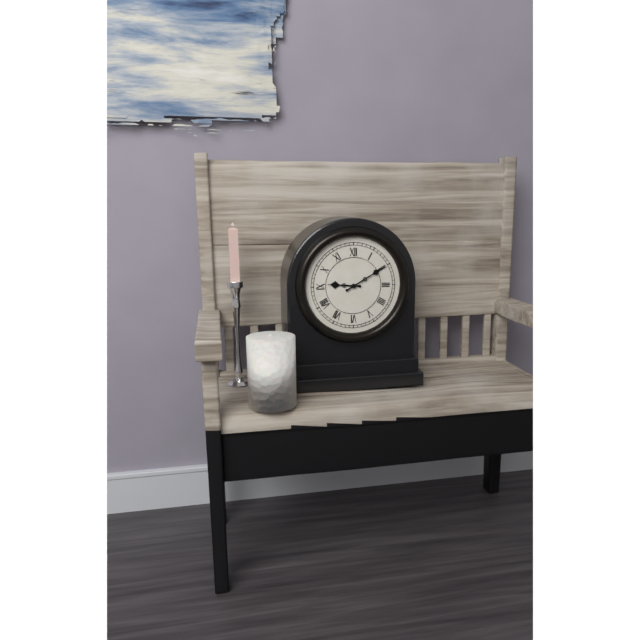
9:10
